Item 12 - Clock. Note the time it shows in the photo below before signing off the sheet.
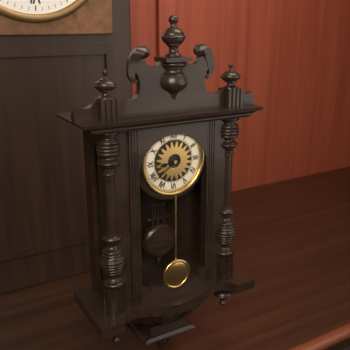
8:39
